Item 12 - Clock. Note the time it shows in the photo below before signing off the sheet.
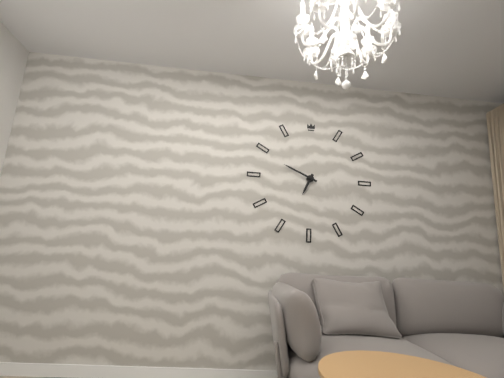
6:49
